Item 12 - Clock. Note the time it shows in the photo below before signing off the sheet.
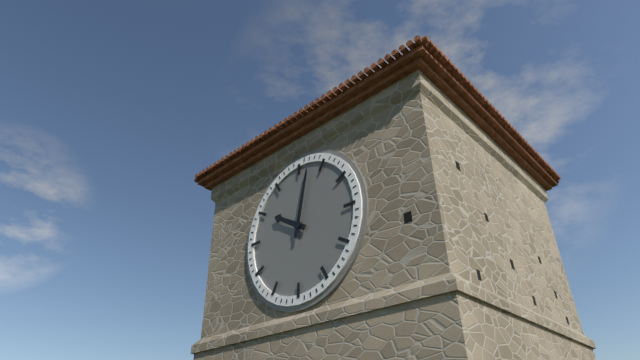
10:02
